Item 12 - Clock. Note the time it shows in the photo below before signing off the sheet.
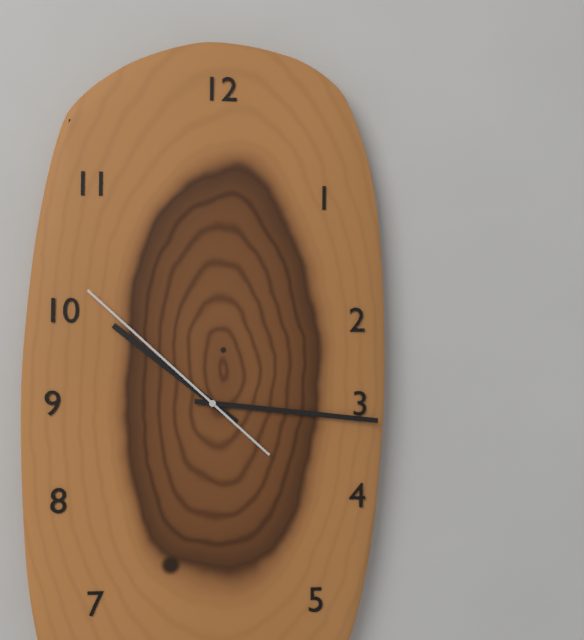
10:16:52
